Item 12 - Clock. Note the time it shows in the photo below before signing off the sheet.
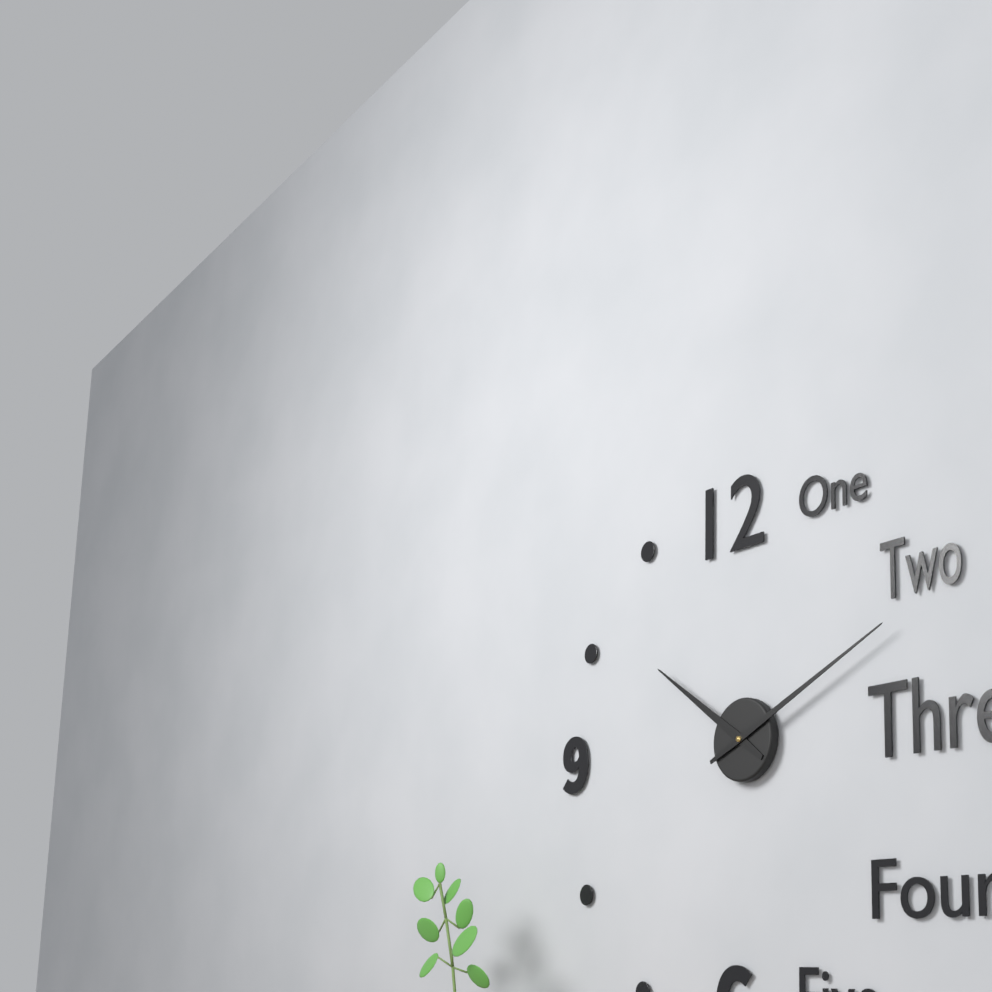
10:11
